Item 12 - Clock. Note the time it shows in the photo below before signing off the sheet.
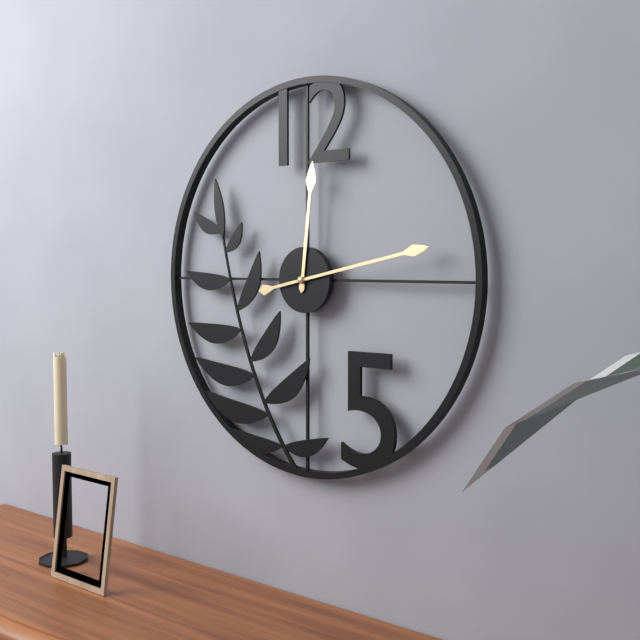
12:13
